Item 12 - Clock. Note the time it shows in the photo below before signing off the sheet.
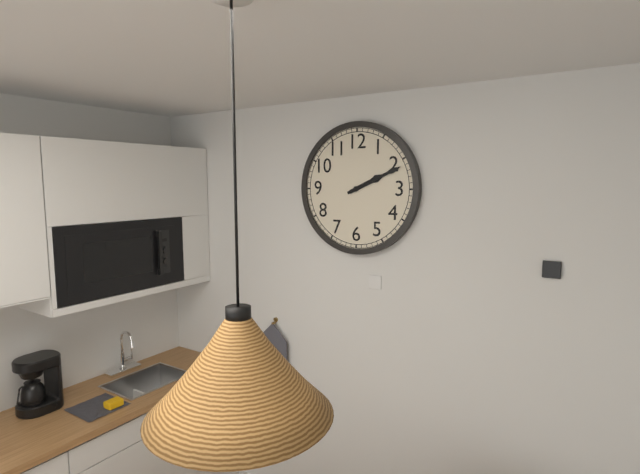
2:11
